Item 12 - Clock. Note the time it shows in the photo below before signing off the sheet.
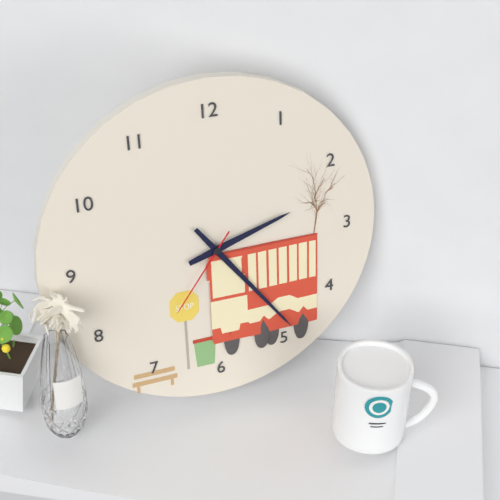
2:24:36
